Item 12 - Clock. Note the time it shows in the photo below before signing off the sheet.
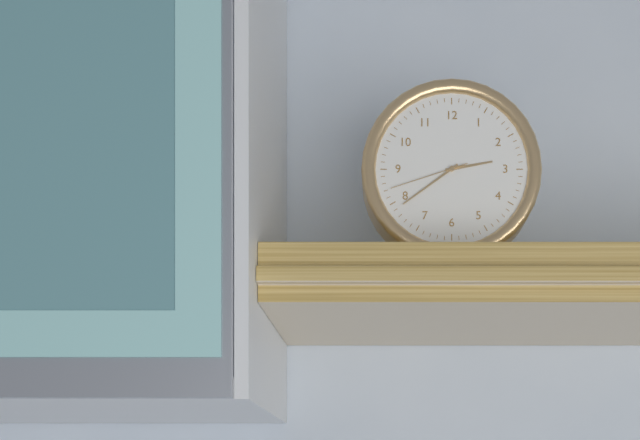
2:39:42
